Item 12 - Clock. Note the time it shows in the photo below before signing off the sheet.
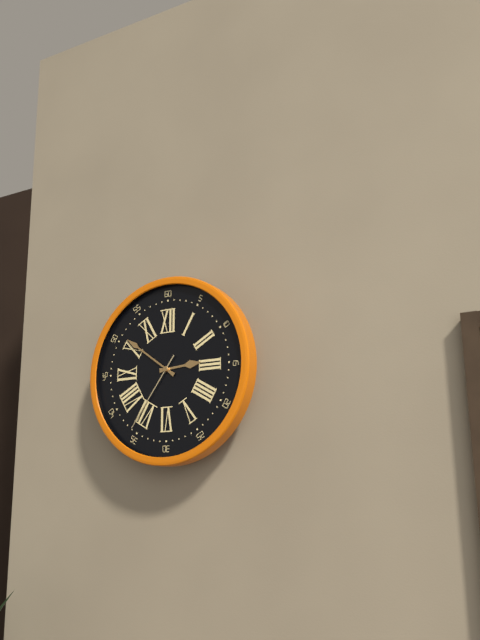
2:51:36
